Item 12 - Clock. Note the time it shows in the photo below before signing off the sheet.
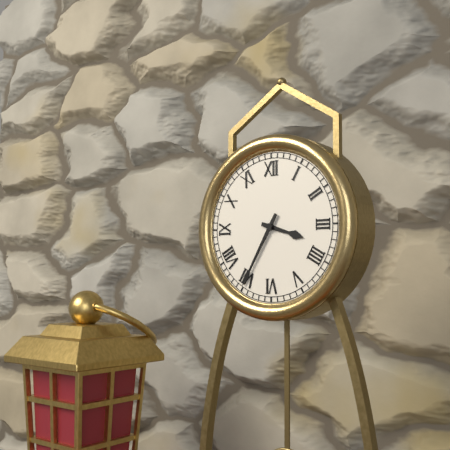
3:35
